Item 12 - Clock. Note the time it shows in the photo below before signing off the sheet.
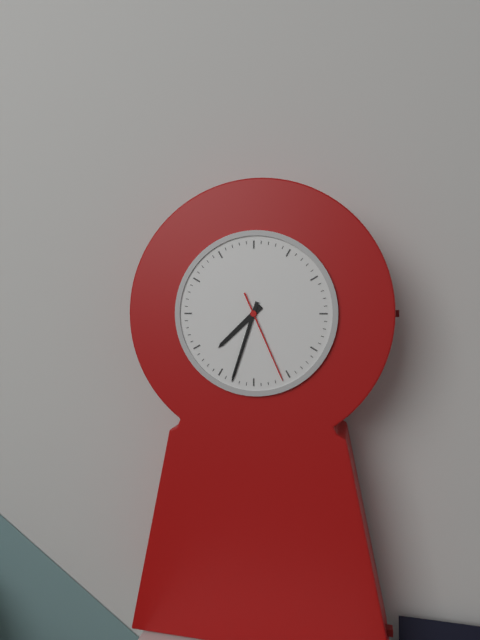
7:33:26
